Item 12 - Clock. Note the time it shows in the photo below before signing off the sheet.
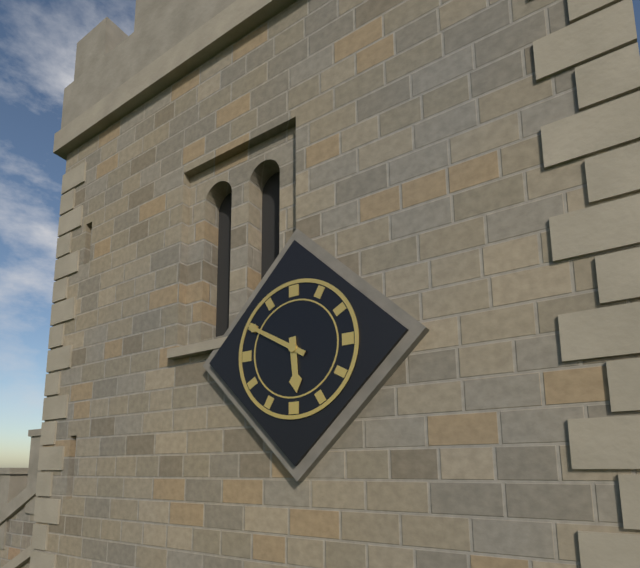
5:50
